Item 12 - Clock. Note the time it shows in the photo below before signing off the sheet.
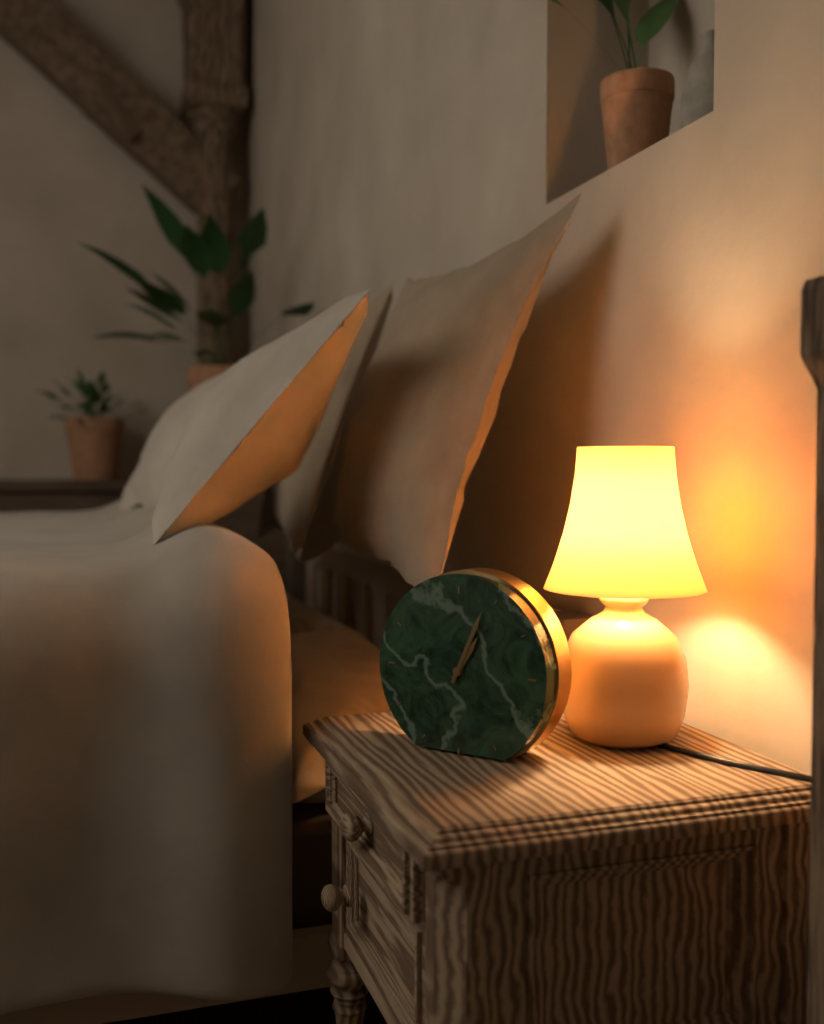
1:04
